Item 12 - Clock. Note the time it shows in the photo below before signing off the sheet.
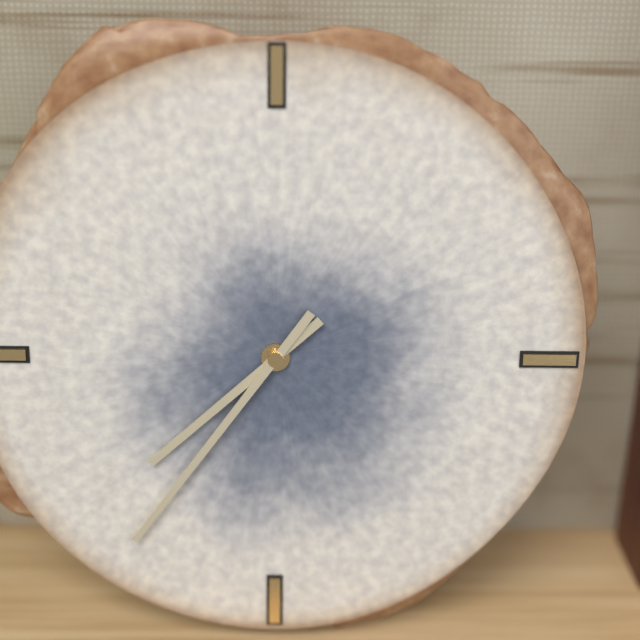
7:36
